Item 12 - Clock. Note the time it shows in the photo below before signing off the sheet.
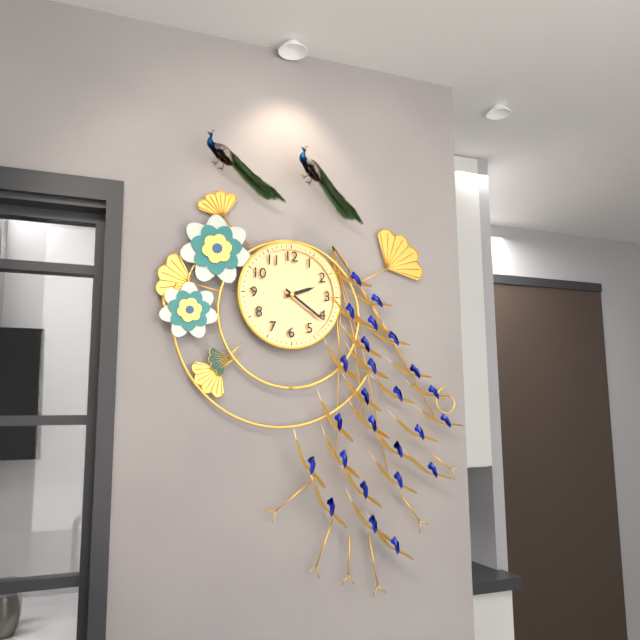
2:21
